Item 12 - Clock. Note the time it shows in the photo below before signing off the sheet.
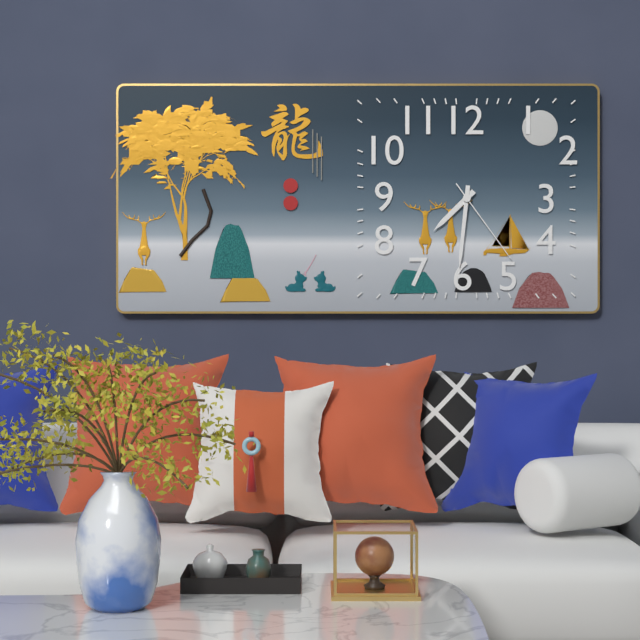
7:31:24
